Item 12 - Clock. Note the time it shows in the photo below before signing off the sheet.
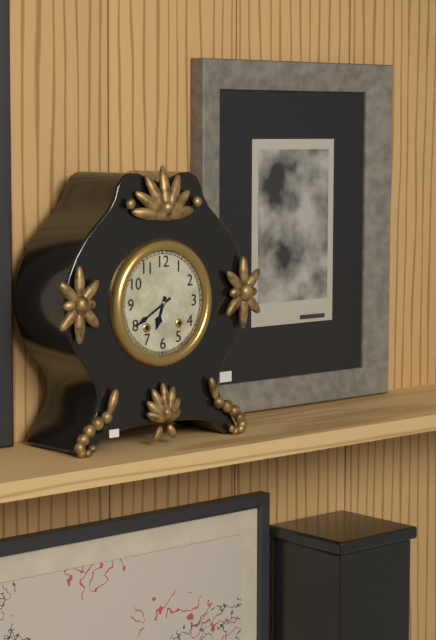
6:40
